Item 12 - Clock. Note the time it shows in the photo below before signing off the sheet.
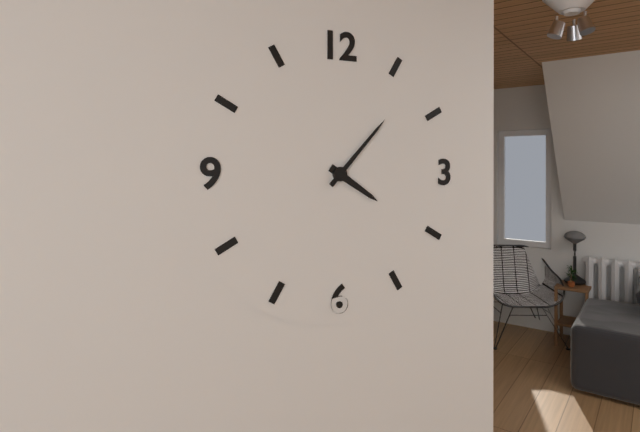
4:07
